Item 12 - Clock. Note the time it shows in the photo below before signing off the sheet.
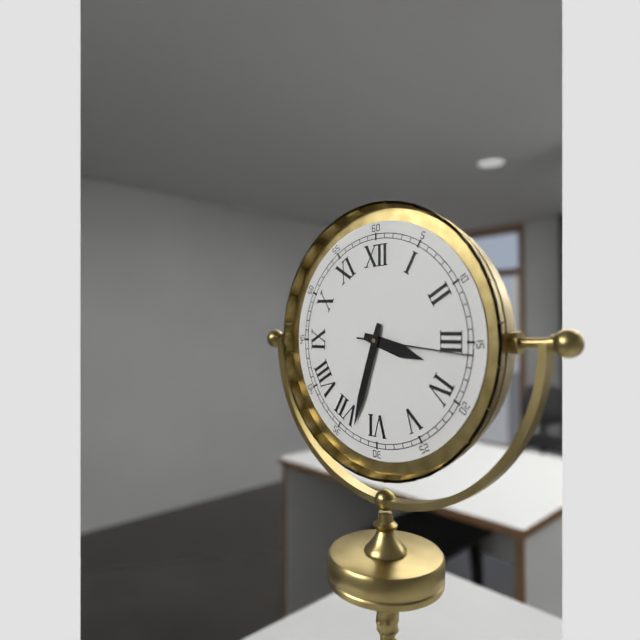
3:33:16
